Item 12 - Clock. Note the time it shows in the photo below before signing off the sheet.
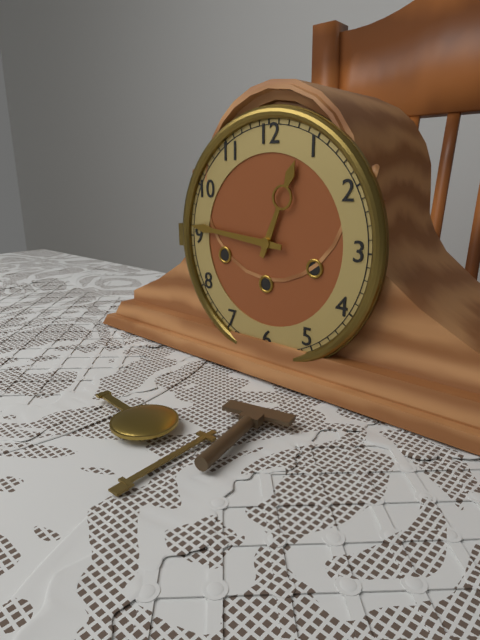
12:46
